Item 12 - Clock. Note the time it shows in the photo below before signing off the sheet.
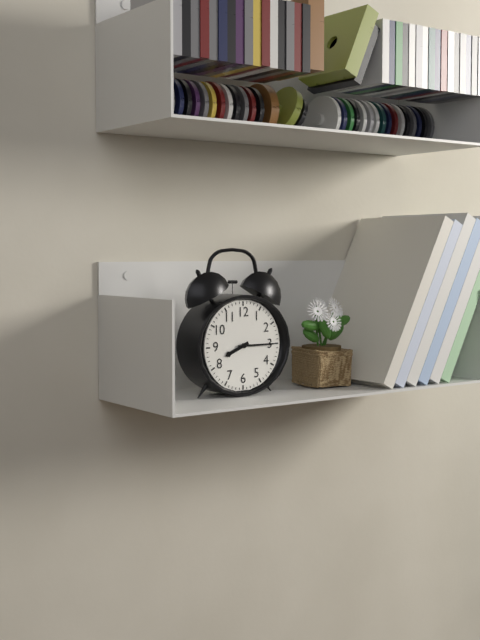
8:15
